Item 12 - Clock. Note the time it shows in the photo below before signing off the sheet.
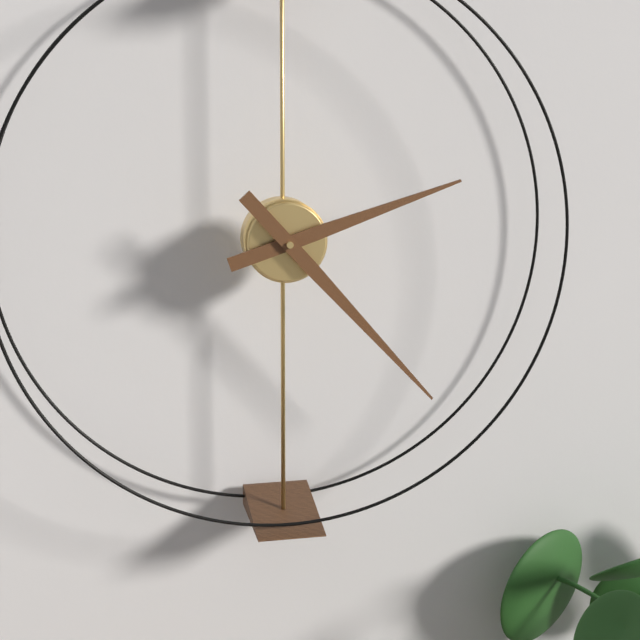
2:23
